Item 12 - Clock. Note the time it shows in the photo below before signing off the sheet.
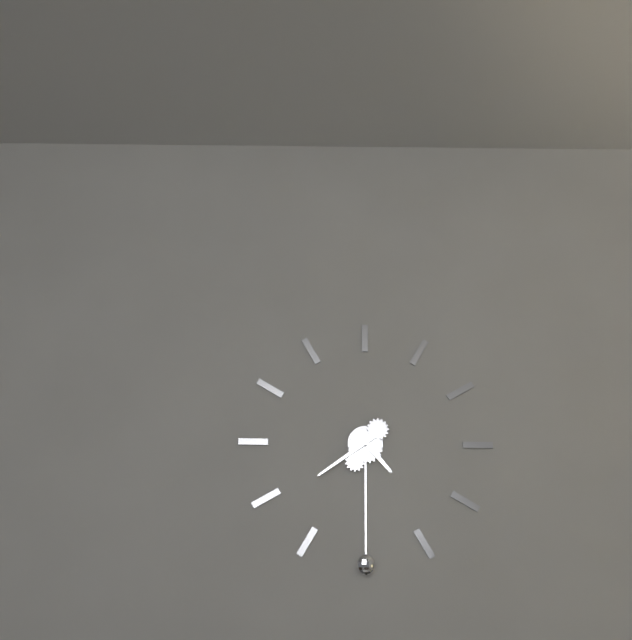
4:39
